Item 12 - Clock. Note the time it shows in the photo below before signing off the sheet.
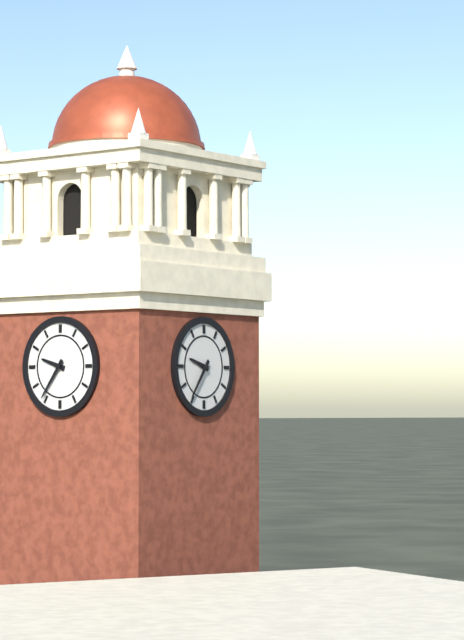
9:36
